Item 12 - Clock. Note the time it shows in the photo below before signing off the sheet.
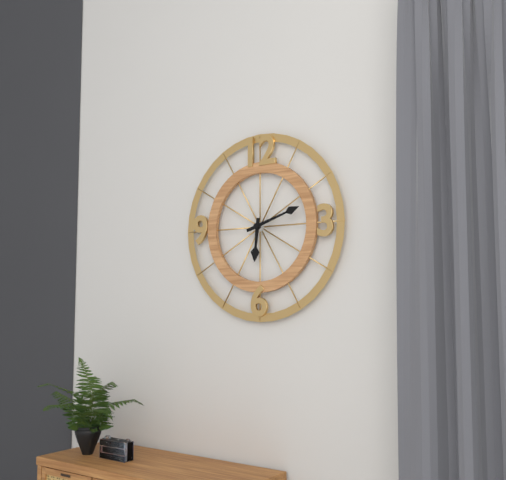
6:12
